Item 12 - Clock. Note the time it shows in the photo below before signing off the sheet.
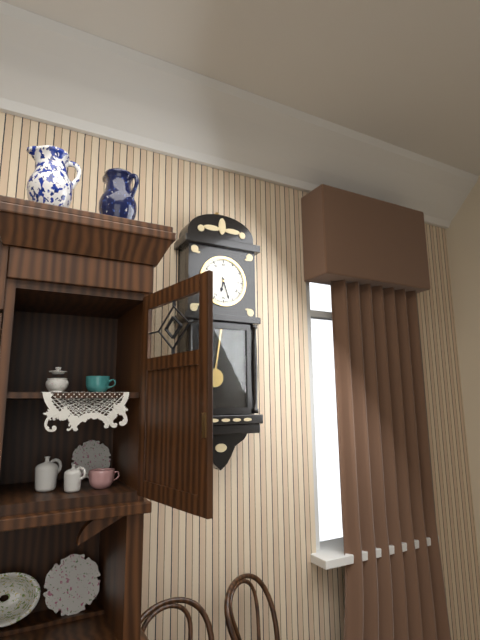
6:27
